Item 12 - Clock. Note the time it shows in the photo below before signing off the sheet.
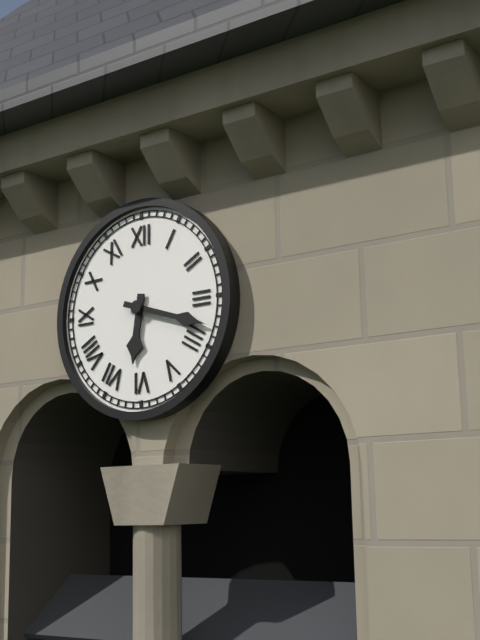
6:18
